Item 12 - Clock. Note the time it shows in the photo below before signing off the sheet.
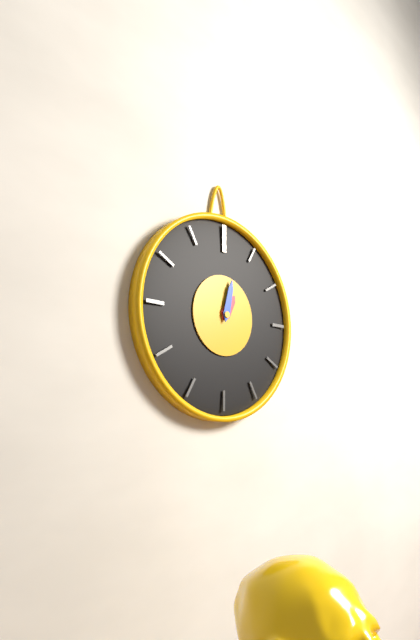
1:02
